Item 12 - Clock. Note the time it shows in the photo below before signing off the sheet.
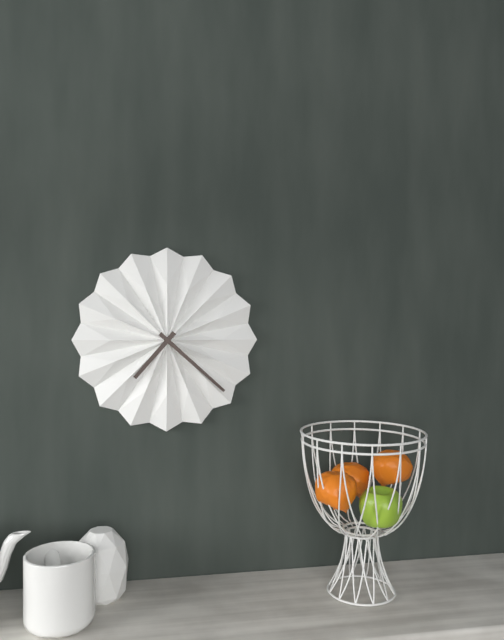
7:22
